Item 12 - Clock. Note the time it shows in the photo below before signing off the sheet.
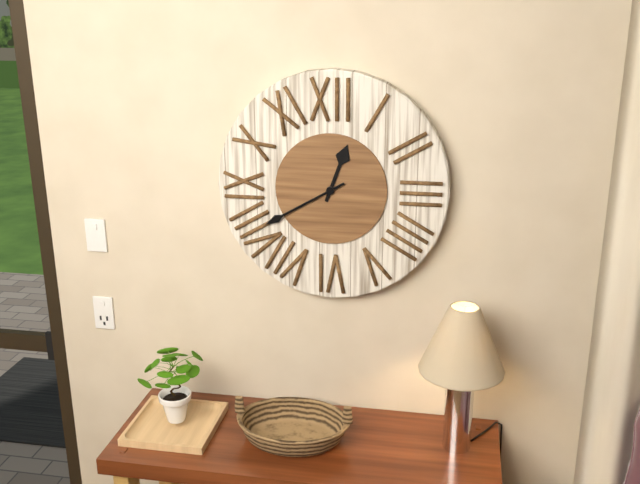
12:40
